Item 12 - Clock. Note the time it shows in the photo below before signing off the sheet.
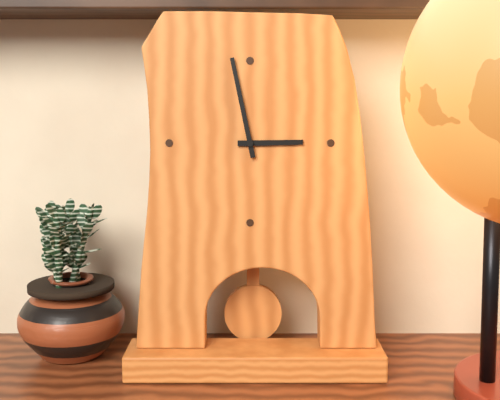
2:58
